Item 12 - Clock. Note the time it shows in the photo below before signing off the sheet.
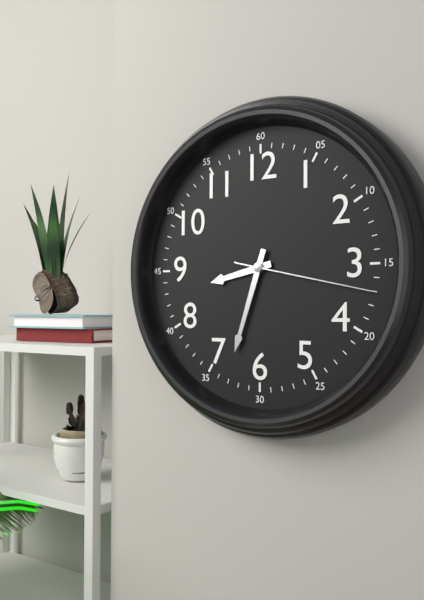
8:33:17
